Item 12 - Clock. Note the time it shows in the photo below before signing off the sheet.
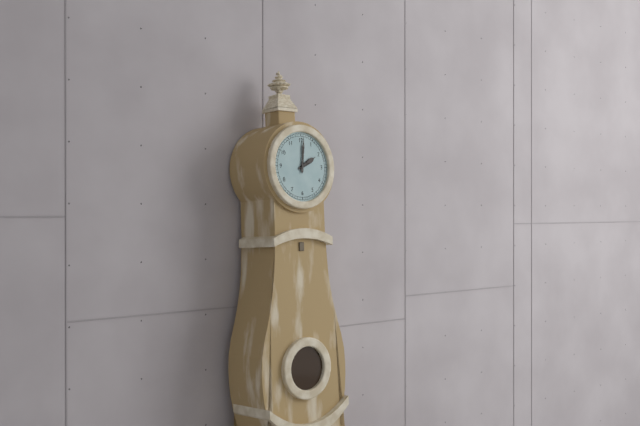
2:01
